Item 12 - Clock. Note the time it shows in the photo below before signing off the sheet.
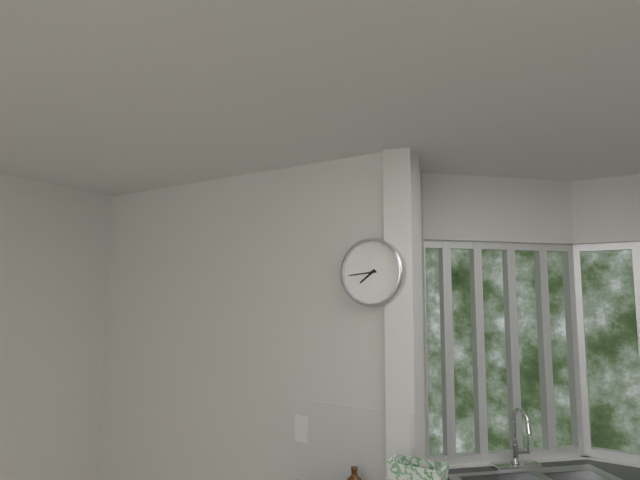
7:44
